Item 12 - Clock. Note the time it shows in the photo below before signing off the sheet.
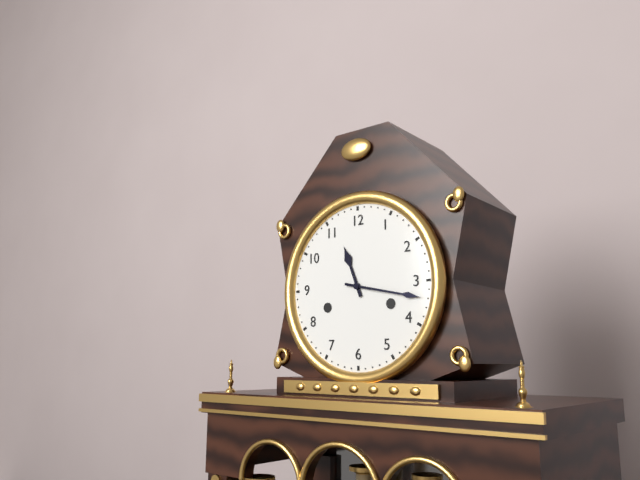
11:17
